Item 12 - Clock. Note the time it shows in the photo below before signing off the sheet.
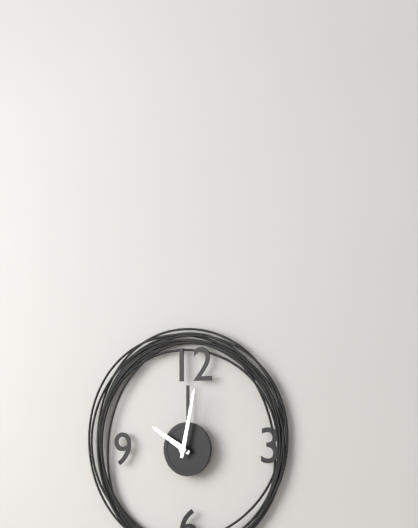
10:02
